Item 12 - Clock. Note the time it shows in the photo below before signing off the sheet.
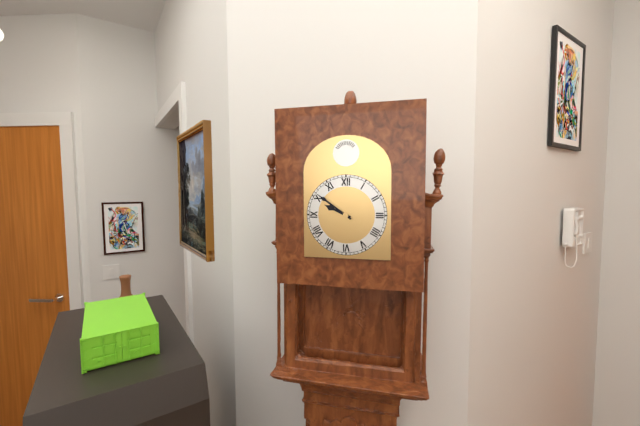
9:51
